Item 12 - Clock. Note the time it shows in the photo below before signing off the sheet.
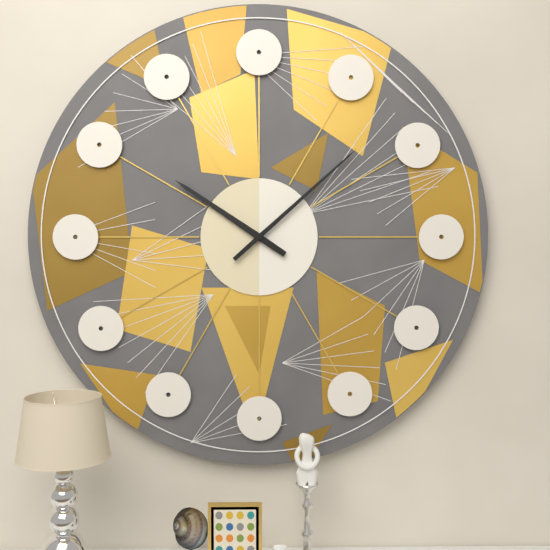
10:08
